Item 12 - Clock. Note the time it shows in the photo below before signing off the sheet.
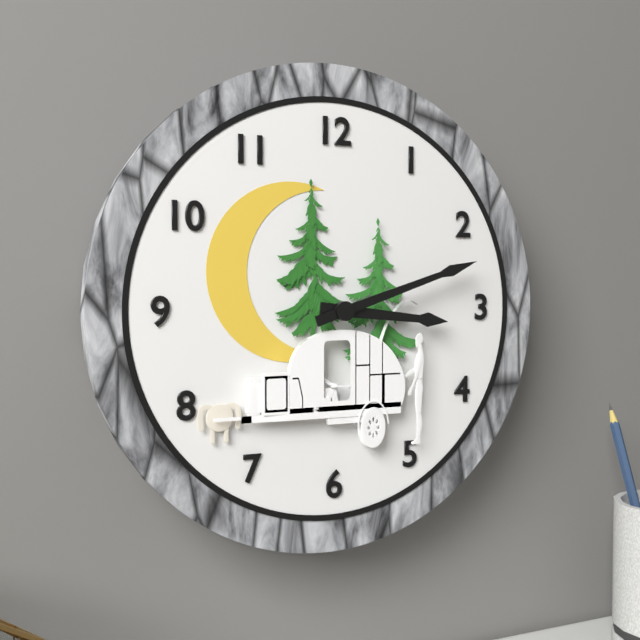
3:12
